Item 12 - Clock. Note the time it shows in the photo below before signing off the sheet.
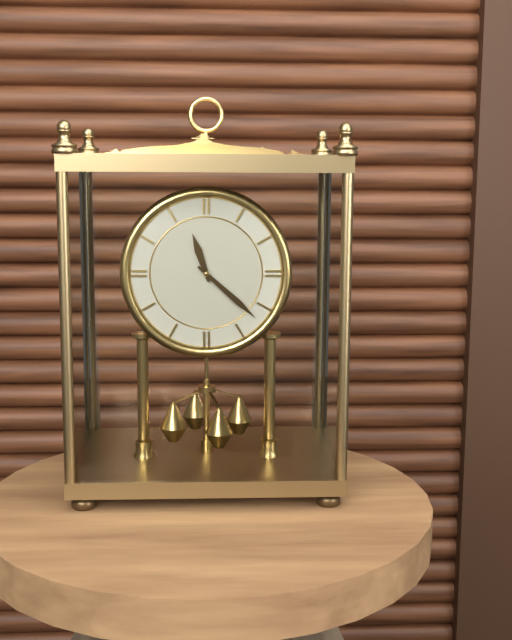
11:22
